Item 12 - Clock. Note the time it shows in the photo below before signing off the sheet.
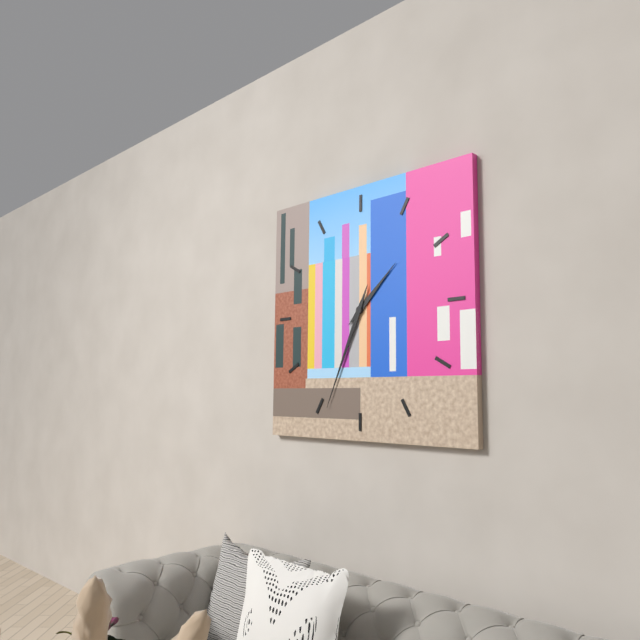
1:34
